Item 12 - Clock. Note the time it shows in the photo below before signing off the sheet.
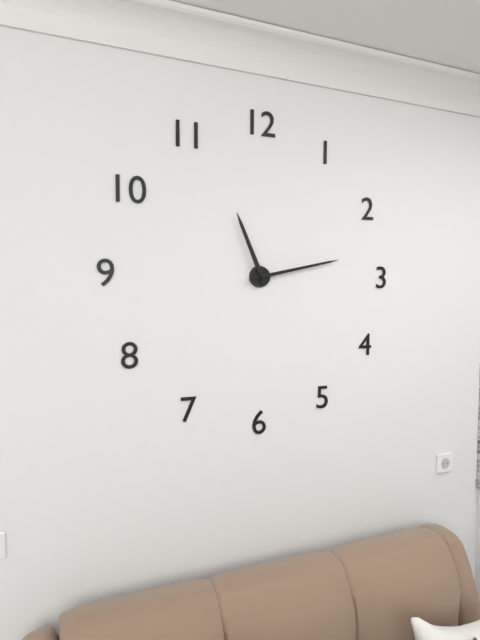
11:13
